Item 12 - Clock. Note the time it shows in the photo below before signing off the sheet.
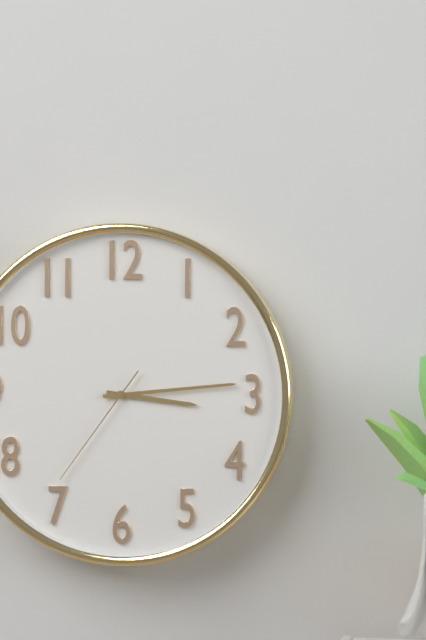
3:14:36
